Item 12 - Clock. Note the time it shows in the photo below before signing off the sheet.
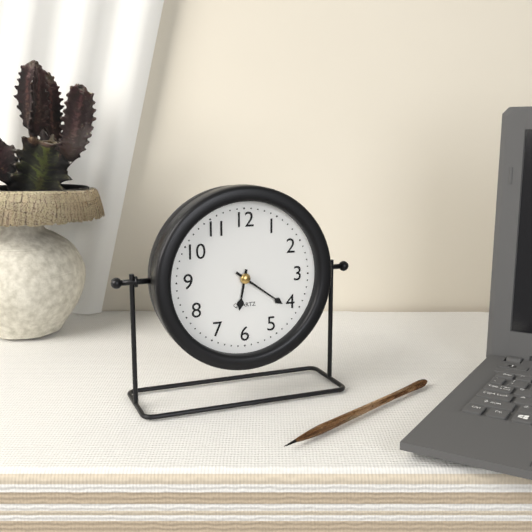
6:21
